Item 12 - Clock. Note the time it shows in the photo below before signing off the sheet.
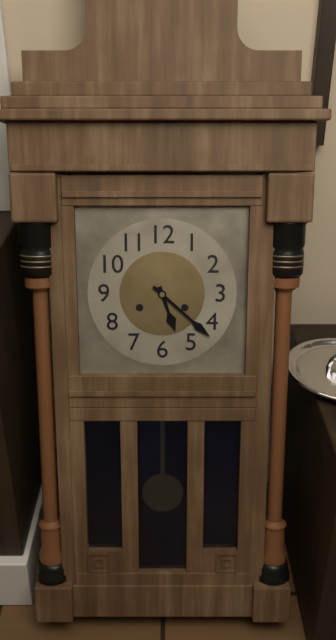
5:22
